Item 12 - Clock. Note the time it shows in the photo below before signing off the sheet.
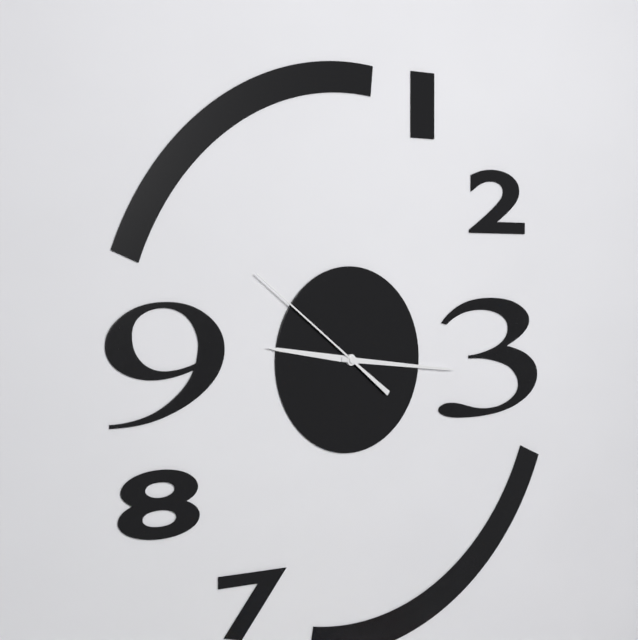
9:16:51
